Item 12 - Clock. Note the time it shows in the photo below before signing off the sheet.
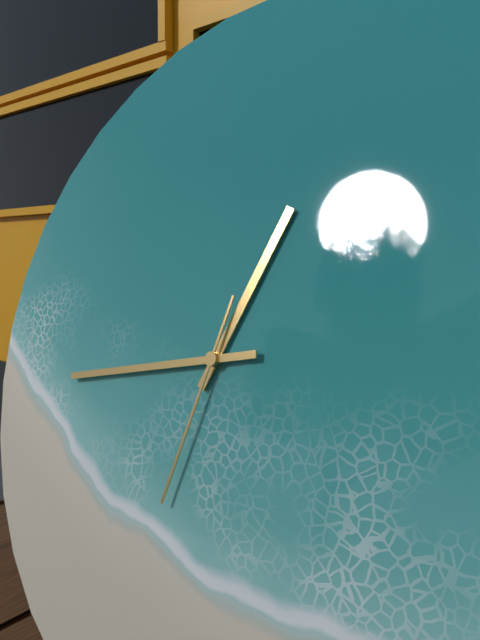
12:43:32
